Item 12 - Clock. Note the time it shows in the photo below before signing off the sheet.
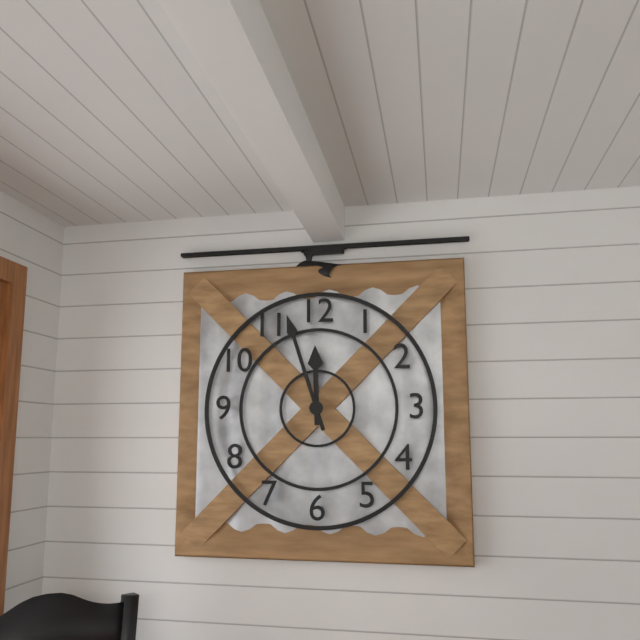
11:57
